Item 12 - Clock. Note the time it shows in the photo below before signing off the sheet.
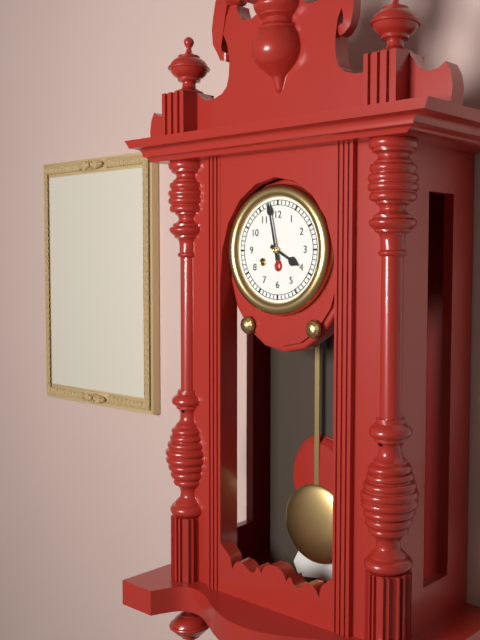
3:58
